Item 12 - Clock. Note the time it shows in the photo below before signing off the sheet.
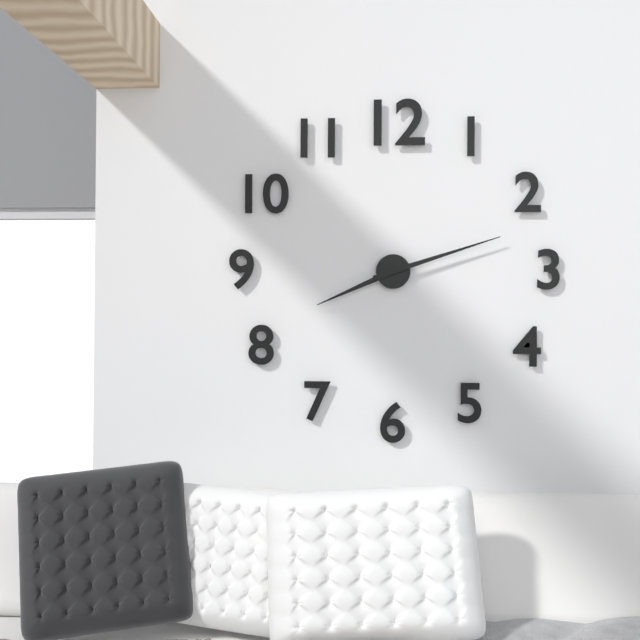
8:12
